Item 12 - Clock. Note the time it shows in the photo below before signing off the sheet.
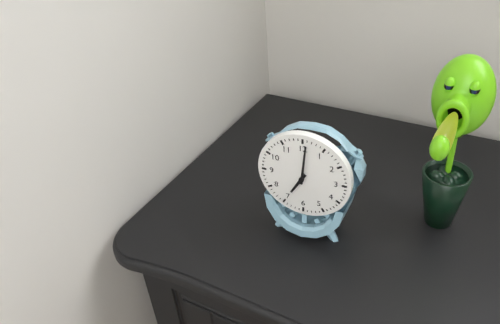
7:01
